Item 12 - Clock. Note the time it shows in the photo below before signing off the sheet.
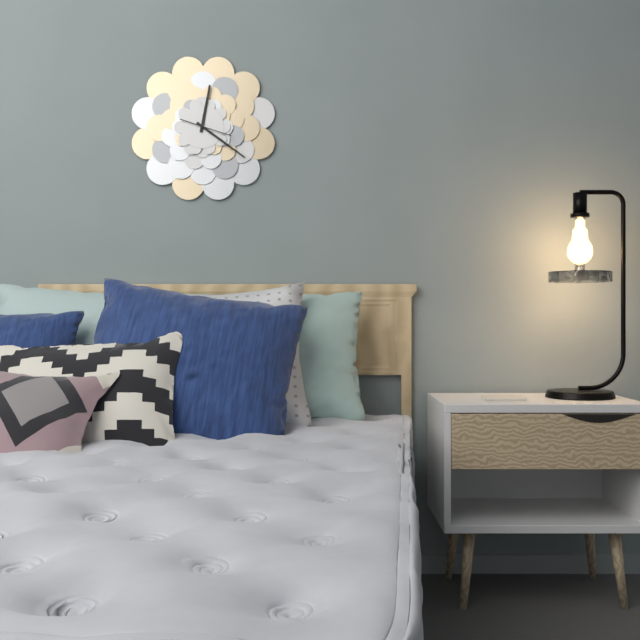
12:21
